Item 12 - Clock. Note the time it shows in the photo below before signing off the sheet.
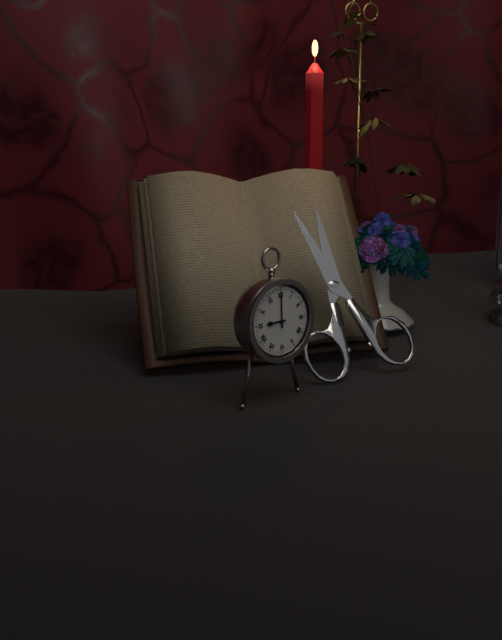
9:00
